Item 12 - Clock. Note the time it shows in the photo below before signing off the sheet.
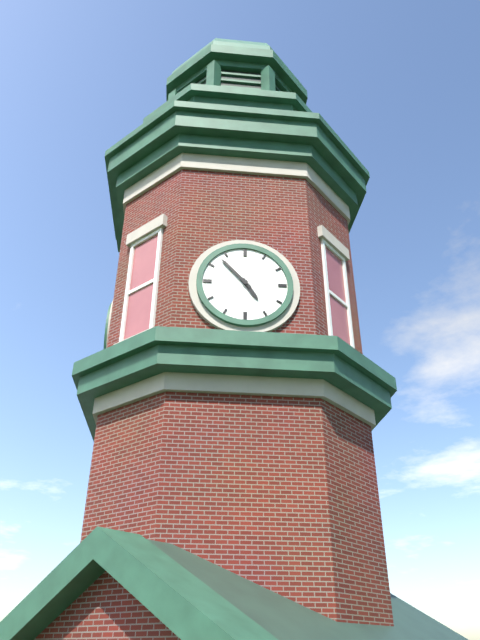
4:53
